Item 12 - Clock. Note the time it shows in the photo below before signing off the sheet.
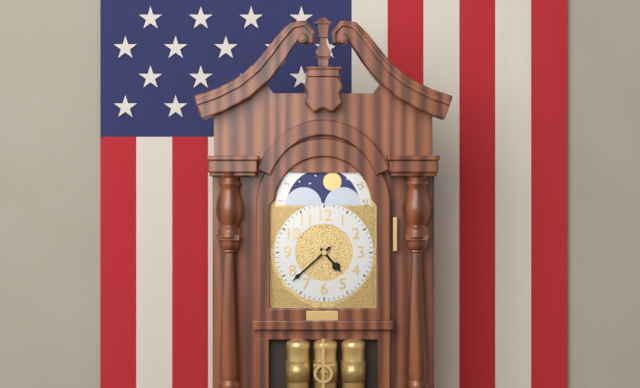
4:38
